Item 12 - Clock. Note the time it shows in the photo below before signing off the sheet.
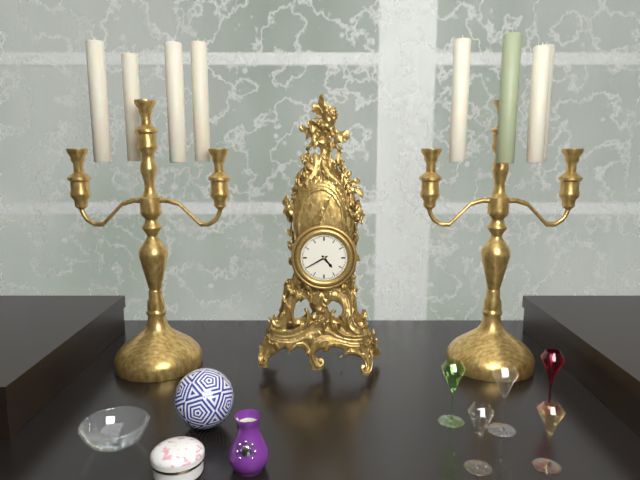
4:40
